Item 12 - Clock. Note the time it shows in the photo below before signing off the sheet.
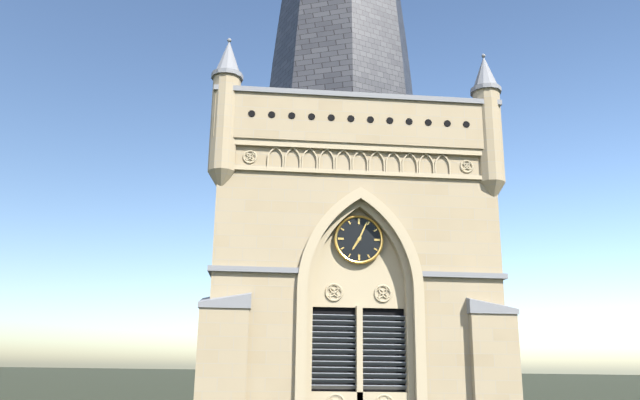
7:04
